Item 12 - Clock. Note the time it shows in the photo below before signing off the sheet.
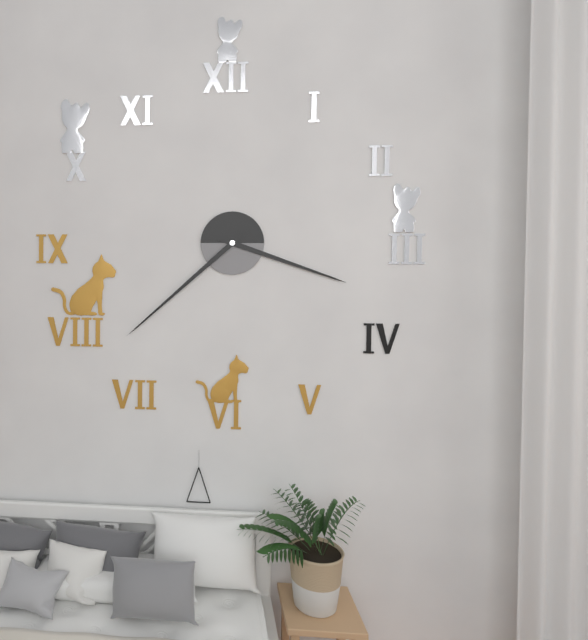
3:38
